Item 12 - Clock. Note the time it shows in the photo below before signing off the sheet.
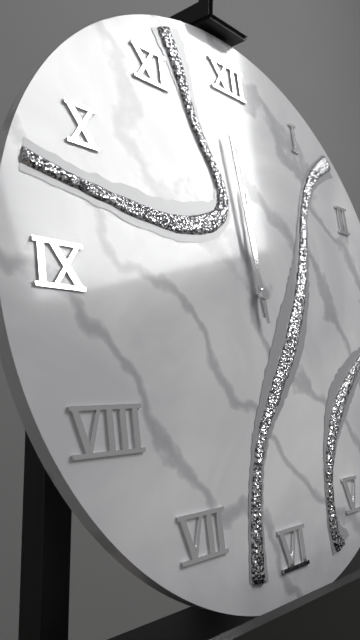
11:59
